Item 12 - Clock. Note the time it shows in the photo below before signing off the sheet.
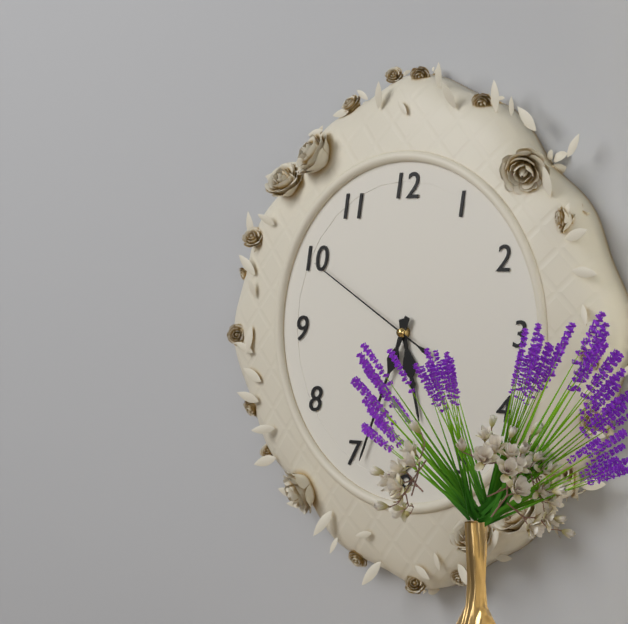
5:34:50
